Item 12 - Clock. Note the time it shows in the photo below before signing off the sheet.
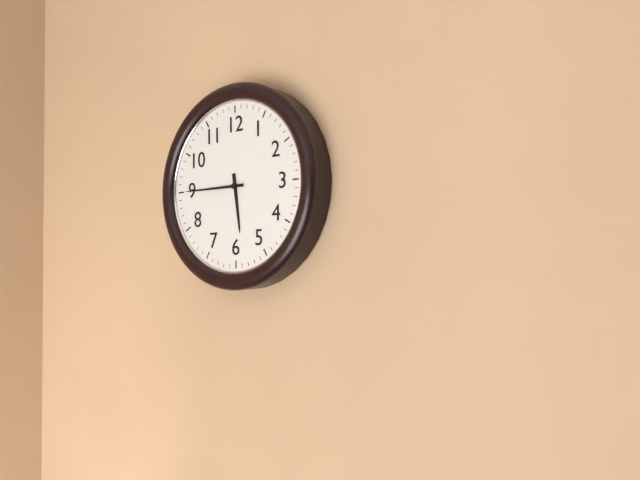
5:45
